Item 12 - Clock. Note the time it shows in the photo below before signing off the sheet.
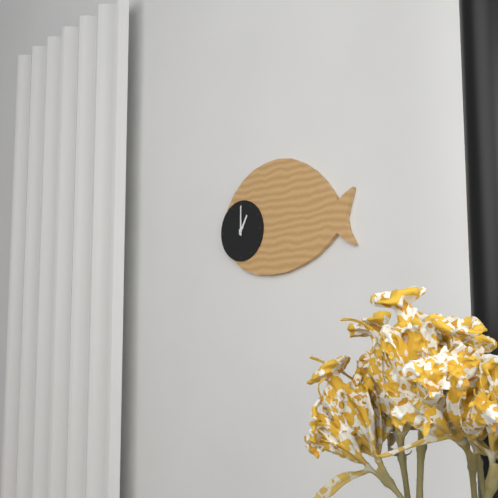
1:00
